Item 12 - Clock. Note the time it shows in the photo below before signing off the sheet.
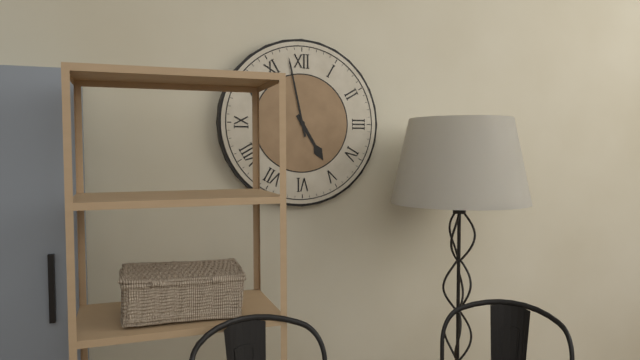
4:58
